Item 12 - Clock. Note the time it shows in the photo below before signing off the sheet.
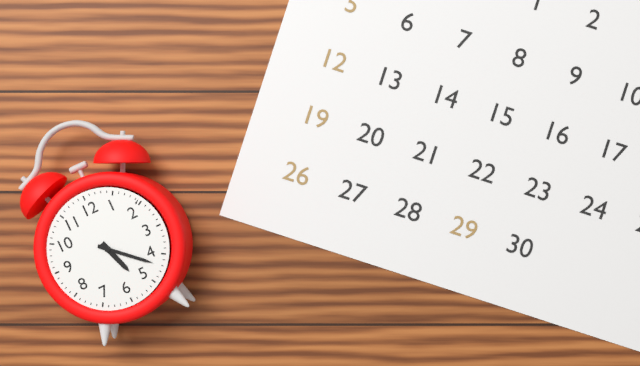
5:22
